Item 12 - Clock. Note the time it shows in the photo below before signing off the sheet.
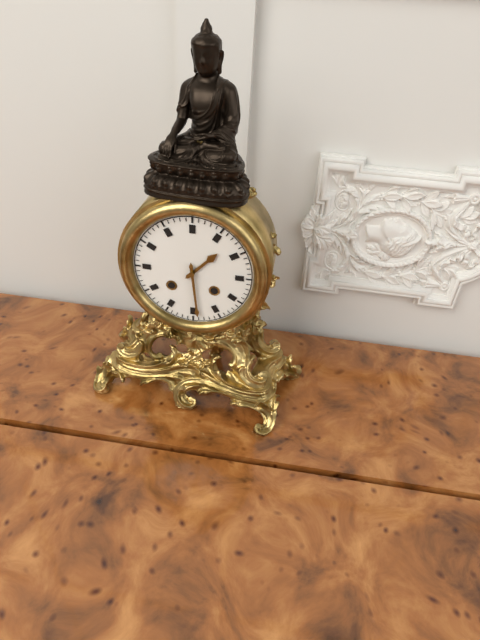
1:29
